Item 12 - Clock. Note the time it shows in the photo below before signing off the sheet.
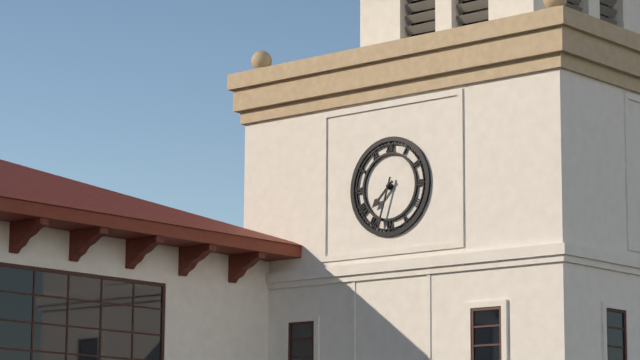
7:33
